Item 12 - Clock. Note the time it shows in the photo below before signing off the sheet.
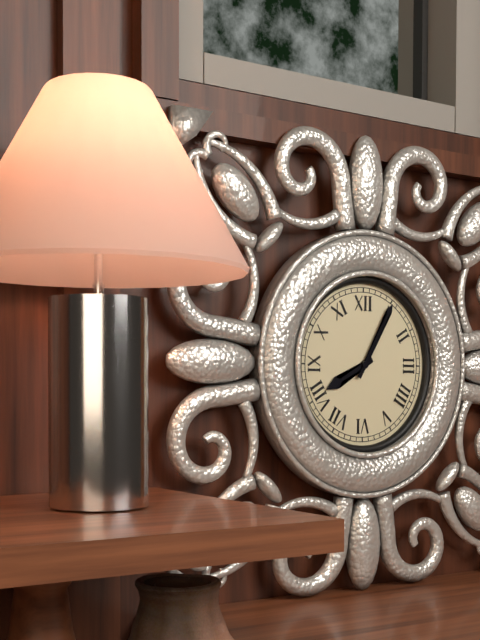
8:05
